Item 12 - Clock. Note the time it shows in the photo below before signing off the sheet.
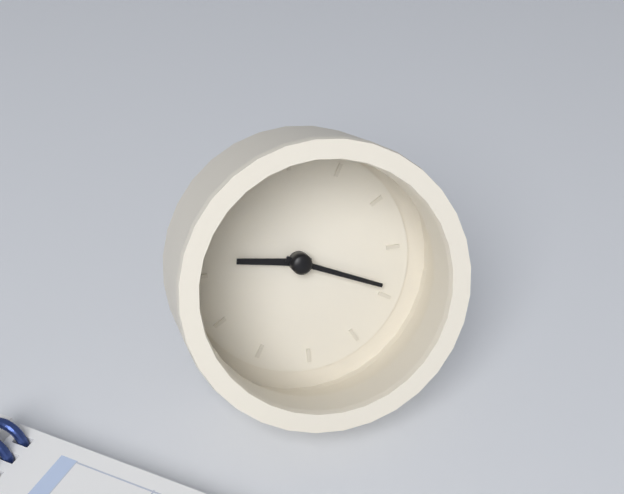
9:19
